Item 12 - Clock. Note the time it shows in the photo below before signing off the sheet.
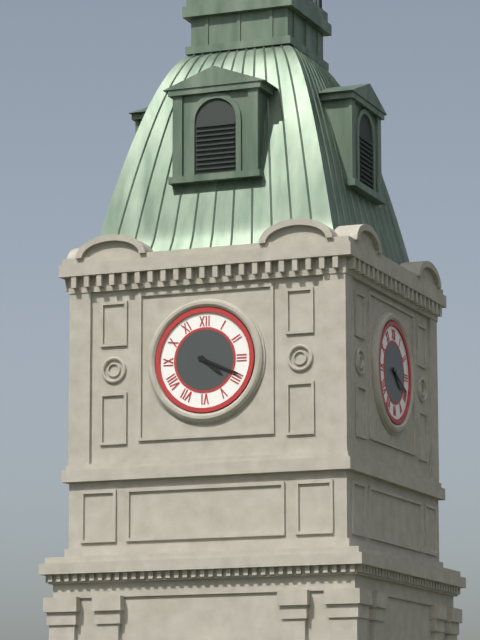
4:19
